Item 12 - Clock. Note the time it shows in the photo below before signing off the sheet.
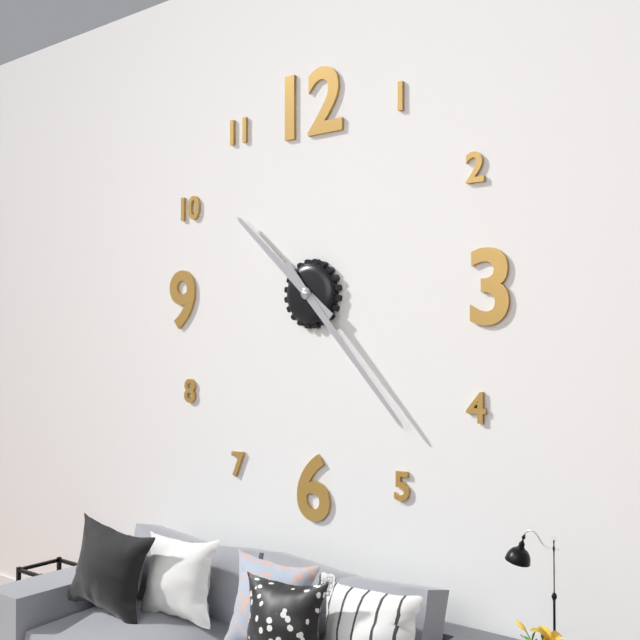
10:23
